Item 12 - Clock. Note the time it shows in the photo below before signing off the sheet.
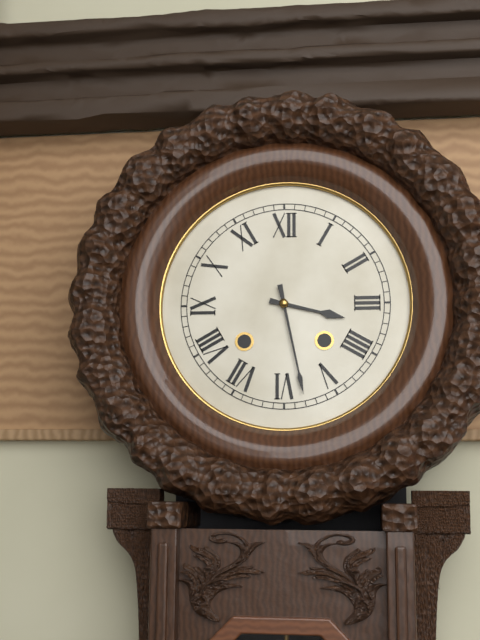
3:28
